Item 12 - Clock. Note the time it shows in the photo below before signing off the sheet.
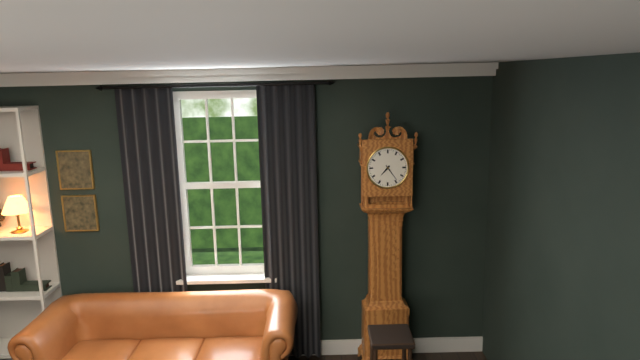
7:24
